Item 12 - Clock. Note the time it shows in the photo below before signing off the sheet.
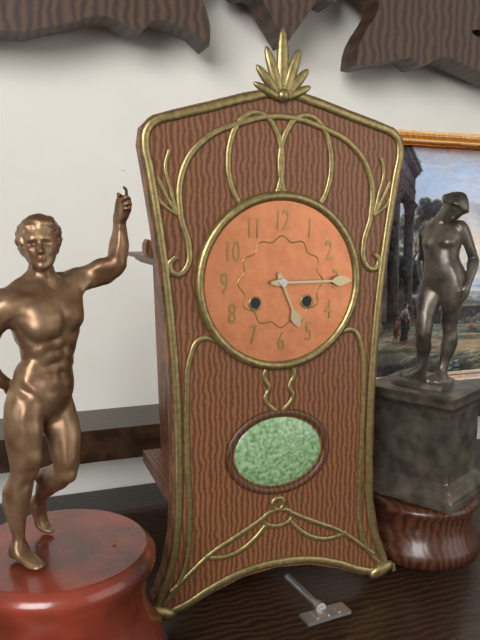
5:15
